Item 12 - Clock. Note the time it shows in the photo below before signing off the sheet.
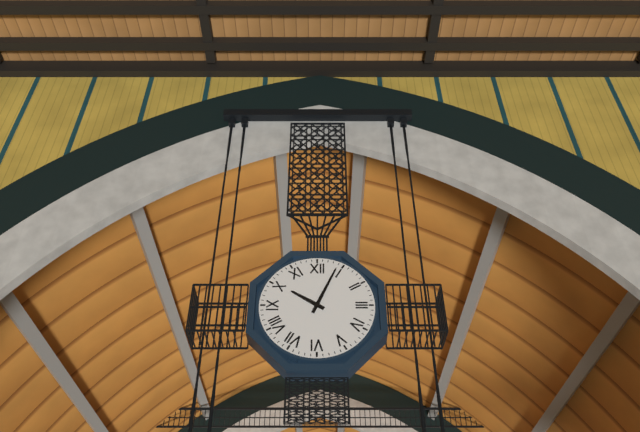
10:04
